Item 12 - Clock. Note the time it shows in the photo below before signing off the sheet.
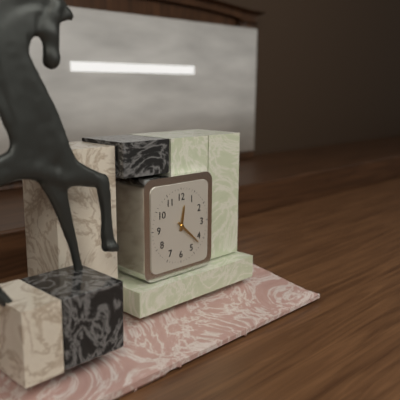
12:22
